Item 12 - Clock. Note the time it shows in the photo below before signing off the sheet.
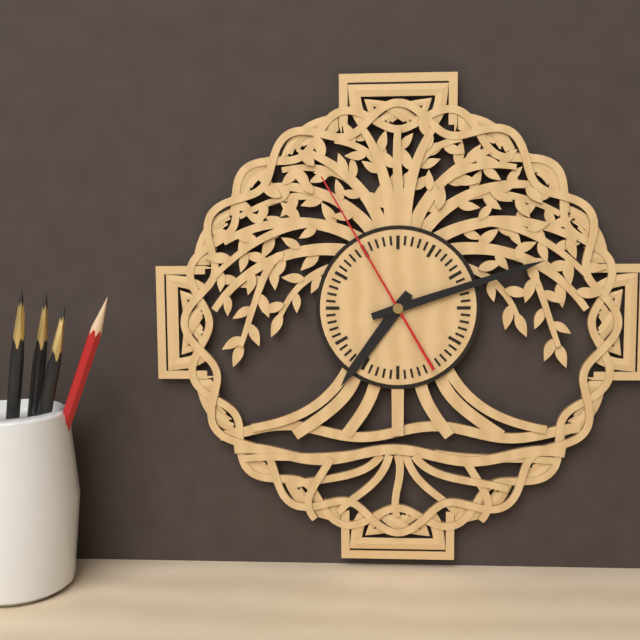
7:12:55
